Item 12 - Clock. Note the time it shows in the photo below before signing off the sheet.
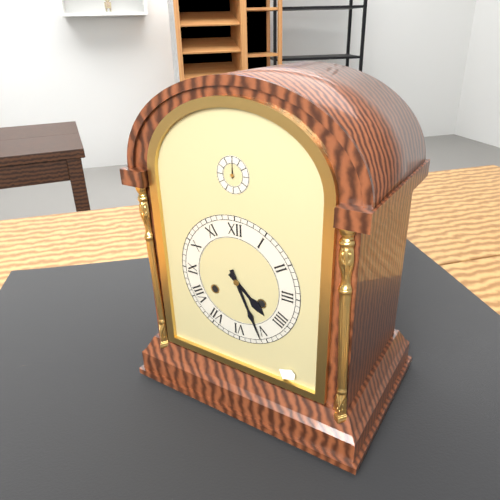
4:26
